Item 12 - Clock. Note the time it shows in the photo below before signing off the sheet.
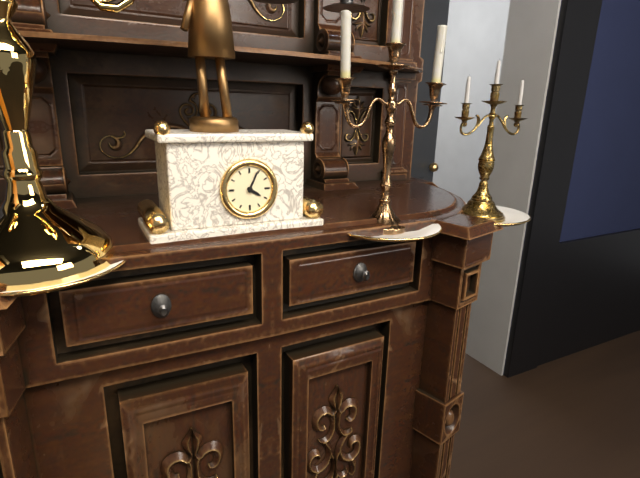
4:04
